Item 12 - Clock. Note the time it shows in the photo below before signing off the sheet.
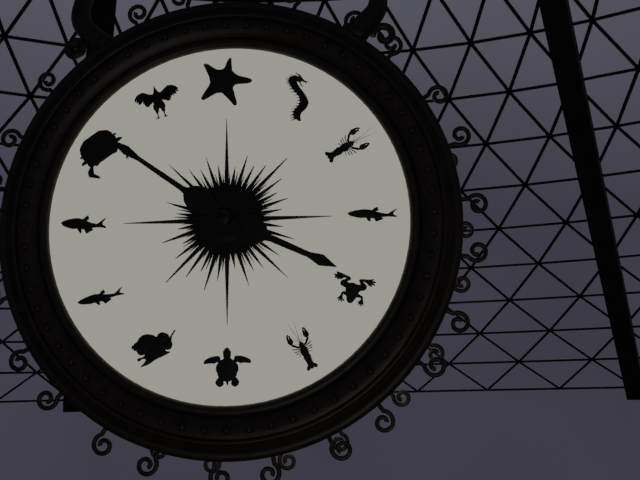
3:51
